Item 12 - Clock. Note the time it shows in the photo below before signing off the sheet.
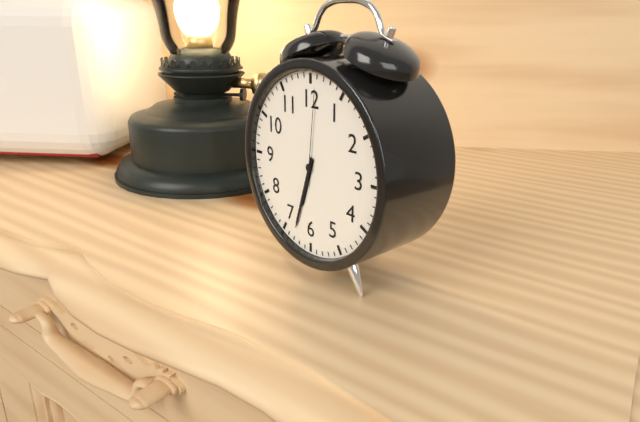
6:33:01
